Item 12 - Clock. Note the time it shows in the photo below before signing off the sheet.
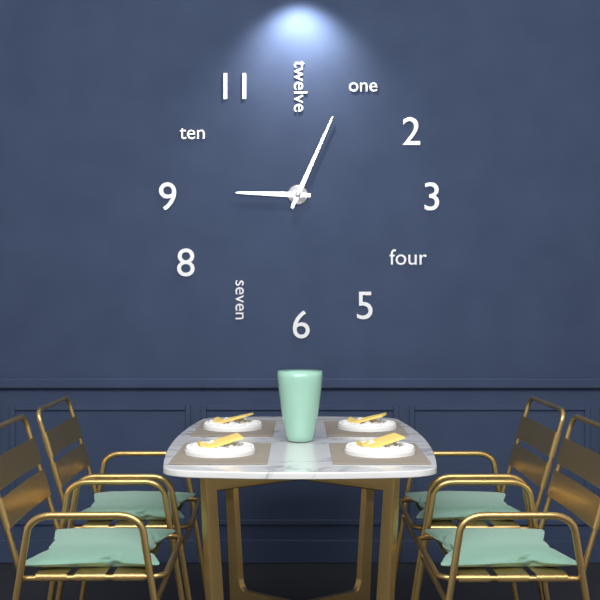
9:04
